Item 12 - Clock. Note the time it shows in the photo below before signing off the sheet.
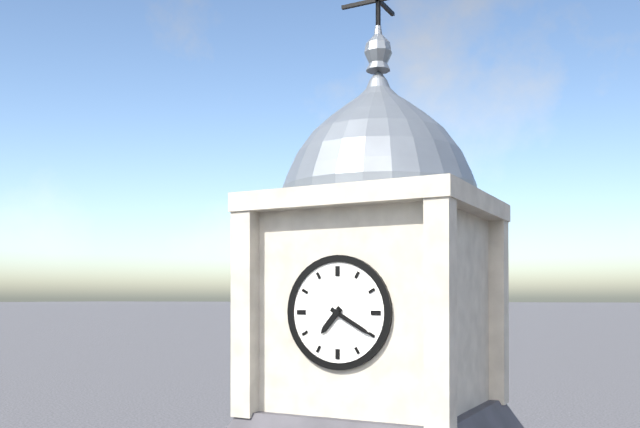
7:20
